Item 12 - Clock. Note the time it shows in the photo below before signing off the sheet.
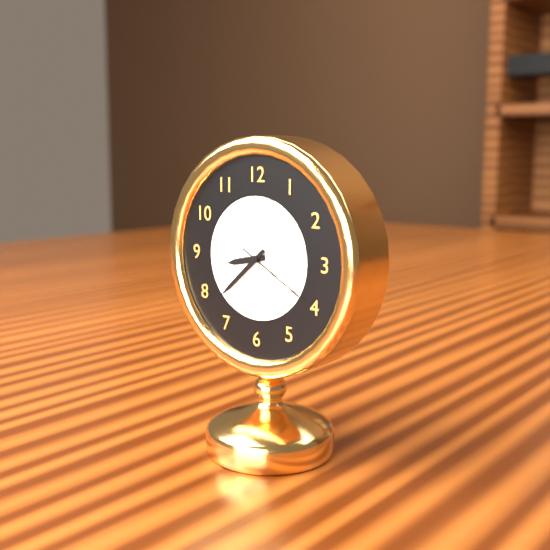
8:38:20
